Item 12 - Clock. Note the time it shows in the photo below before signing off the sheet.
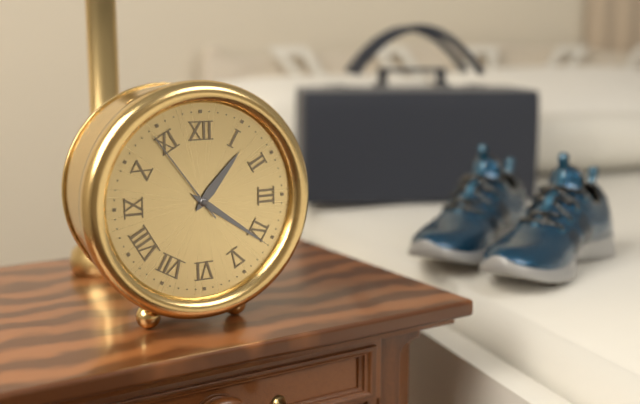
1:21:54
